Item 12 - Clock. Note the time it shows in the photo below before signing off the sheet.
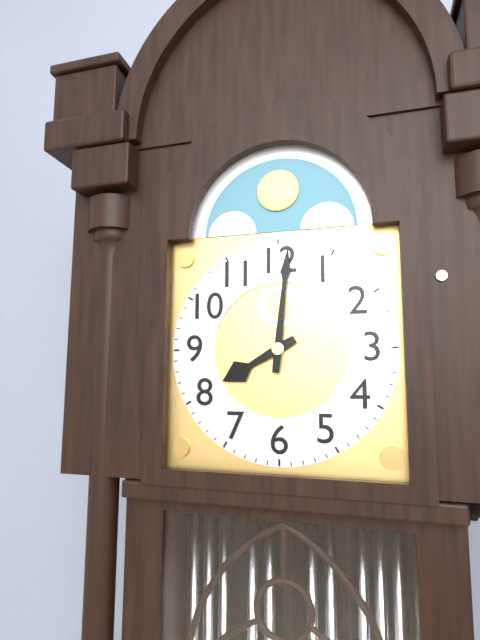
8:01
